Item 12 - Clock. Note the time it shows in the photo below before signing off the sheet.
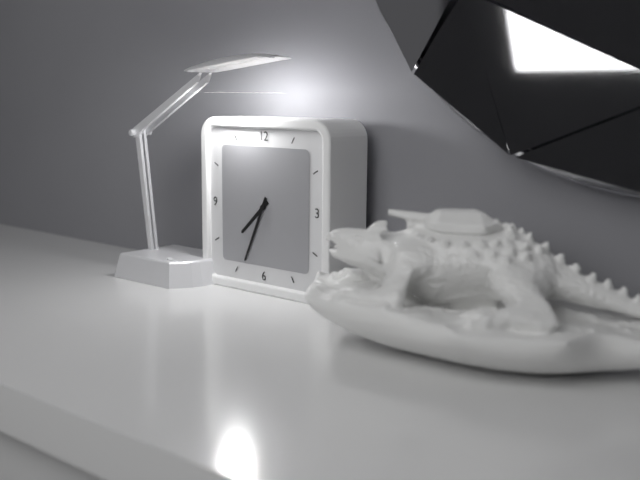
7:34
